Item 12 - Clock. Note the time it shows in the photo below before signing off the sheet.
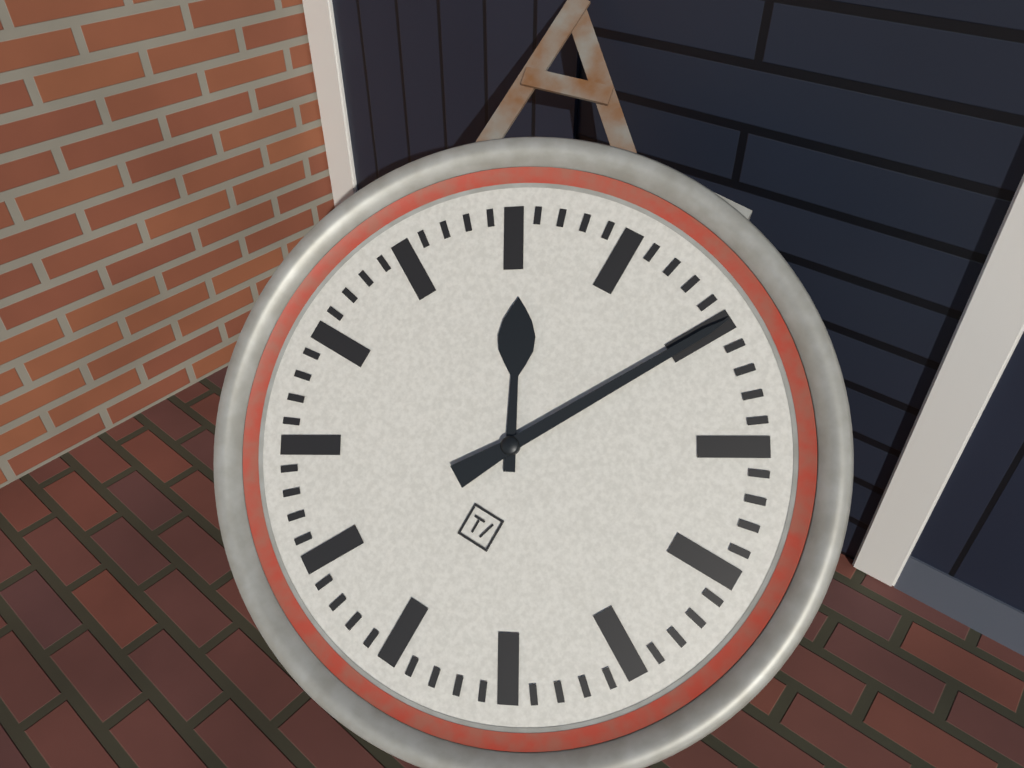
11:05
